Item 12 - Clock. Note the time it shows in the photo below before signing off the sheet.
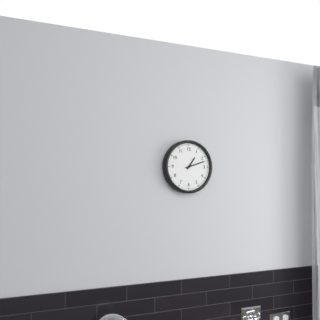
1:12
